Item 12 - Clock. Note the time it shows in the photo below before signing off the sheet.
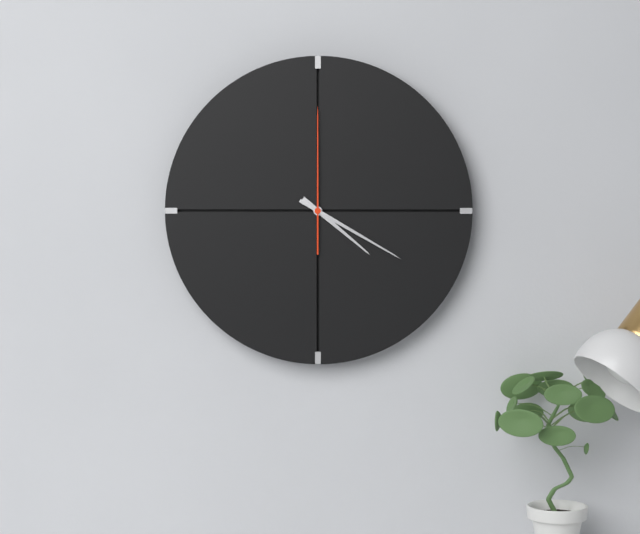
4:20:00
